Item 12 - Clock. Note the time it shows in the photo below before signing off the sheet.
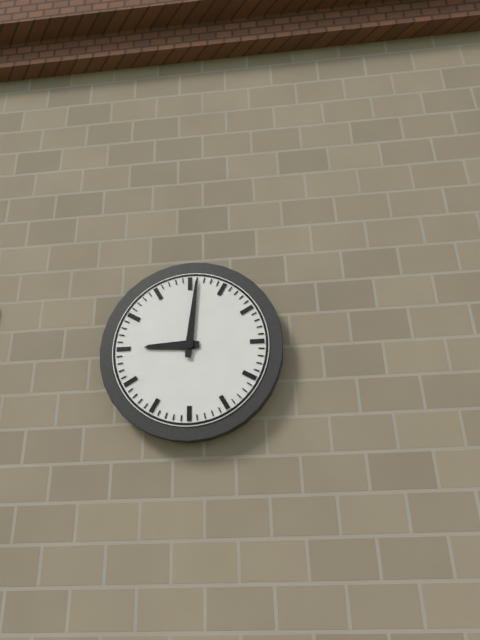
9:01
